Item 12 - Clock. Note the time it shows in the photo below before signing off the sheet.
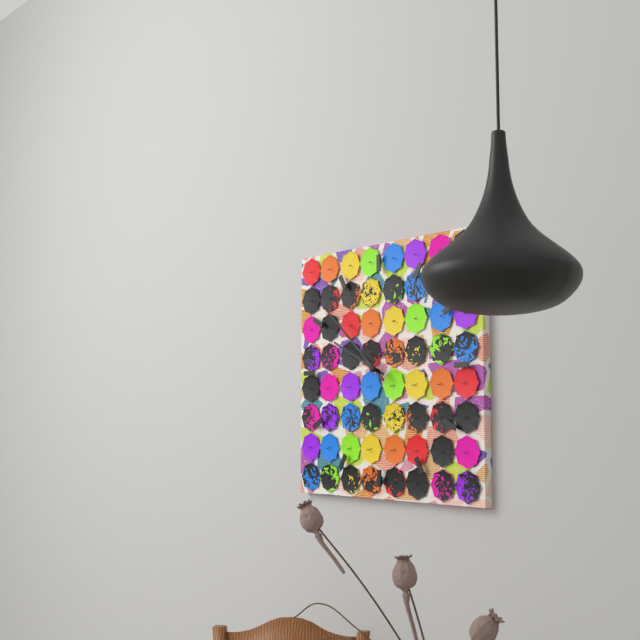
9:52
